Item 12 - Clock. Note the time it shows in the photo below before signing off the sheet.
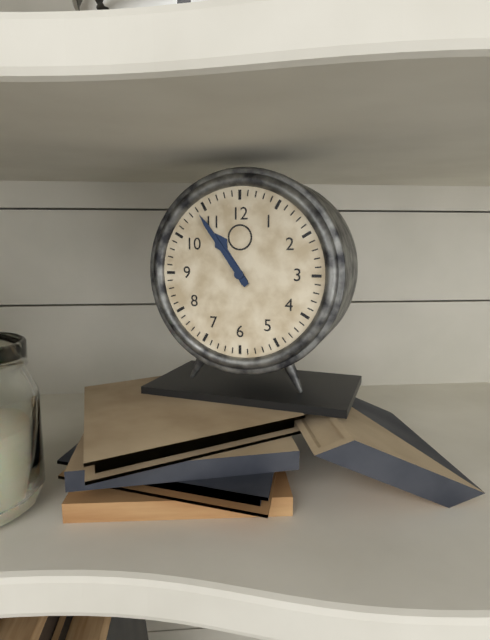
10:54
